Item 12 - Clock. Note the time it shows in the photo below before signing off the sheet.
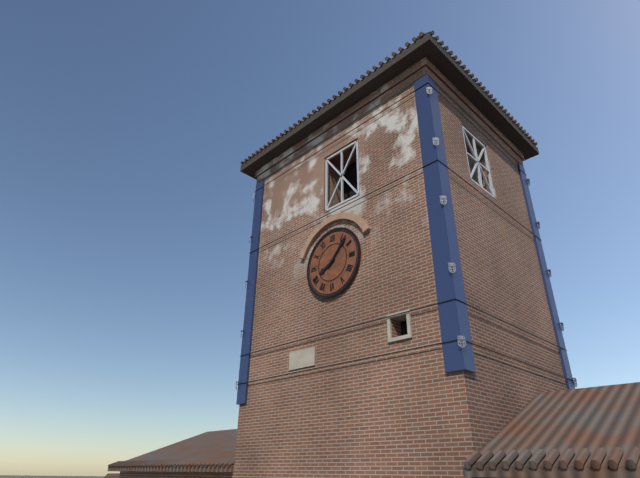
8:07
